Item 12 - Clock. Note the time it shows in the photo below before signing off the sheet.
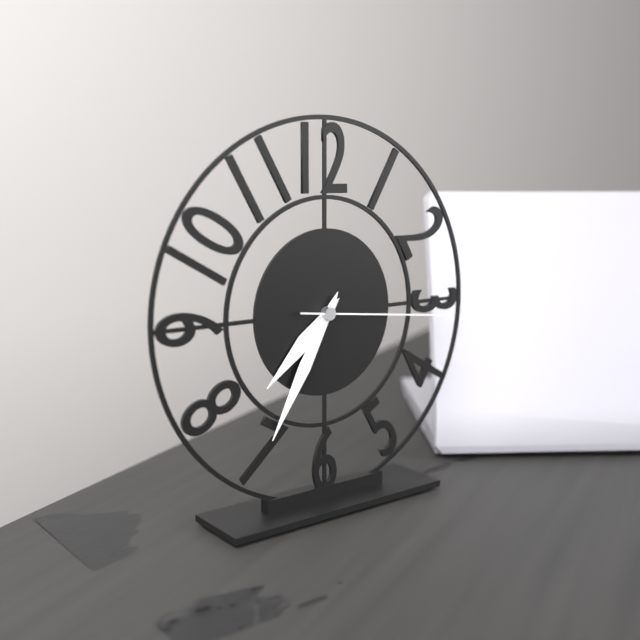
7:35:16
